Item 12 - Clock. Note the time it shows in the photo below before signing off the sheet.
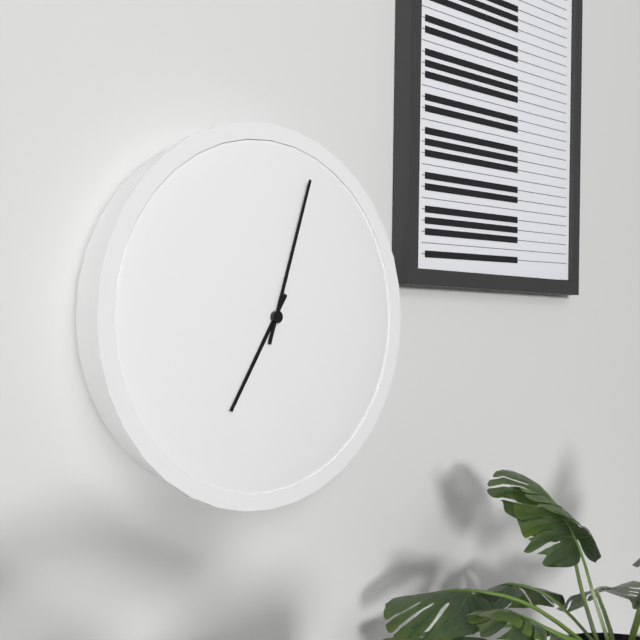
7:03
